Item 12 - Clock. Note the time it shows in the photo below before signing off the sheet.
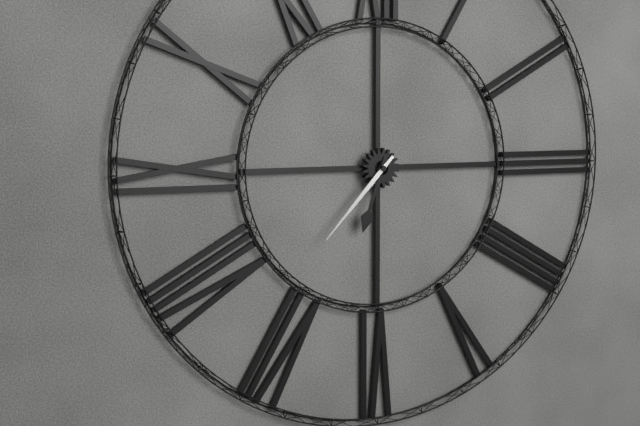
6:37
